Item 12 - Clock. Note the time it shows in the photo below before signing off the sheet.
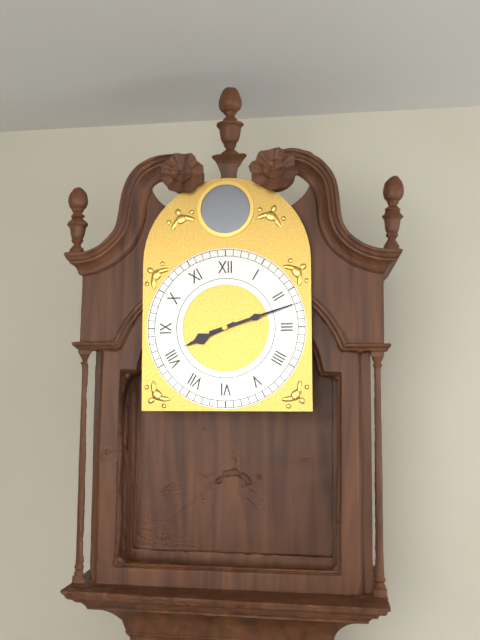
8:12
